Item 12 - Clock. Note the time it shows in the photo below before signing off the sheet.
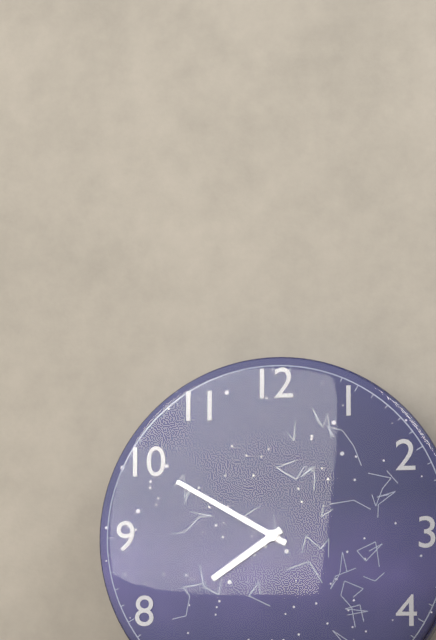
7:50
